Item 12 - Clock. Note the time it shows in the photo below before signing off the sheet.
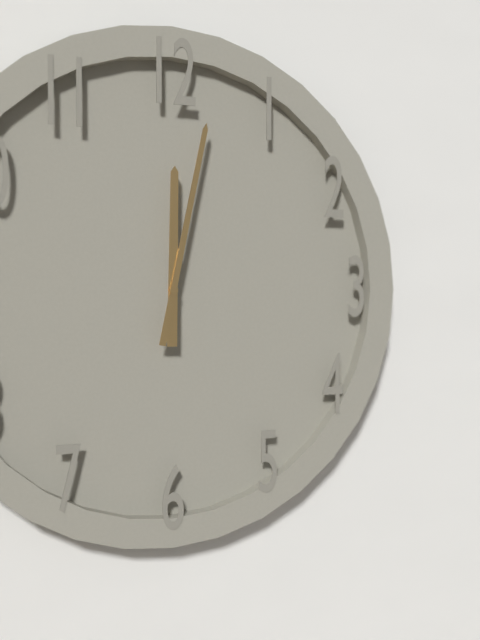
12:02
